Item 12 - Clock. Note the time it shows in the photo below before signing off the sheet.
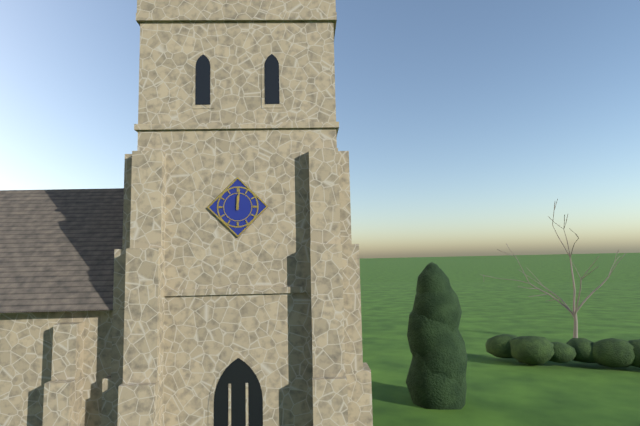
12:01
